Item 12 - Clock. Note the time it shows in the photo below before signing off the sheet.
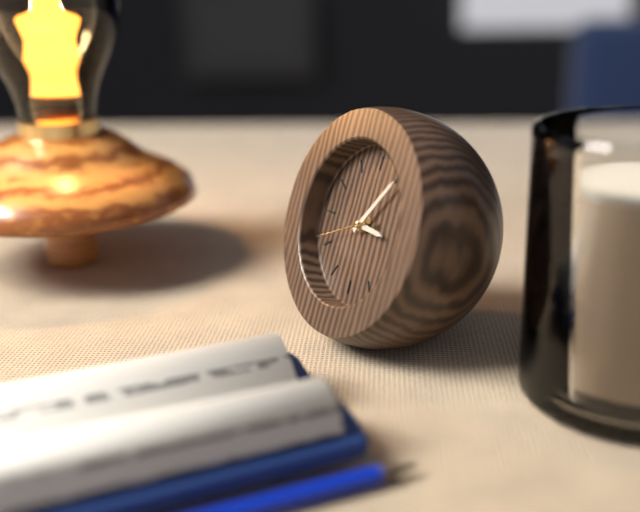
3:06:41
